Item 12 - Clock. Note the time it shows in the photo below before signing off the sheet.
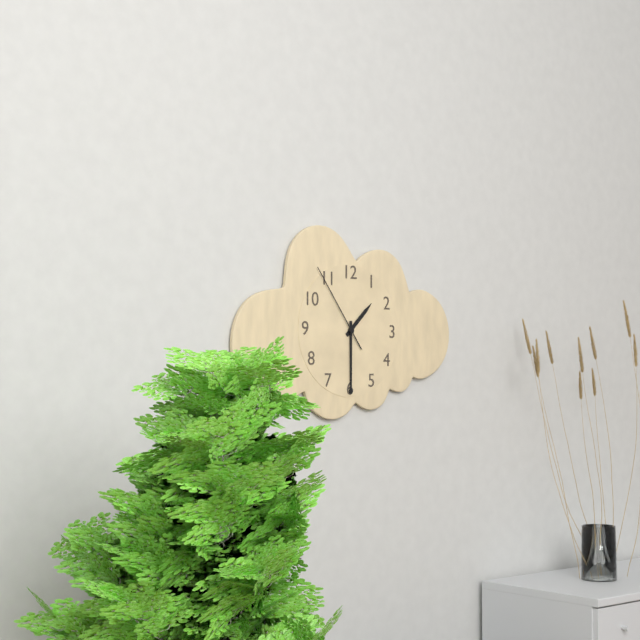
1:30:54
